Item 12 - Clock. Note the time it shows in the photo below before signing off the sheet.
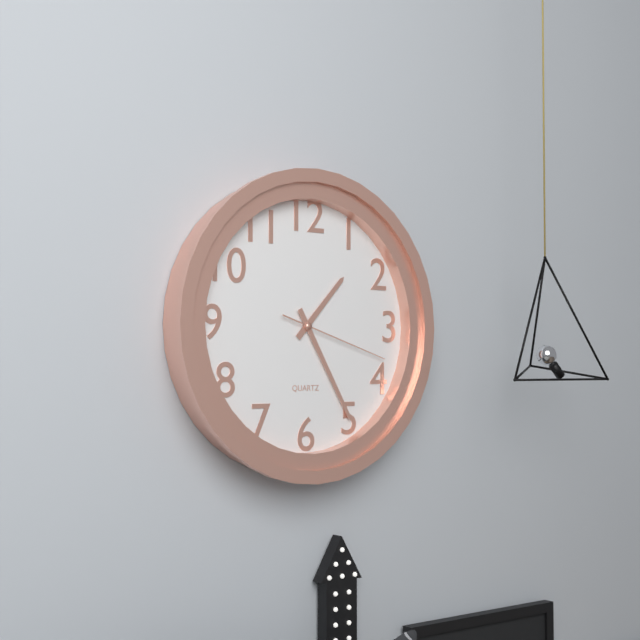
1:25:18
